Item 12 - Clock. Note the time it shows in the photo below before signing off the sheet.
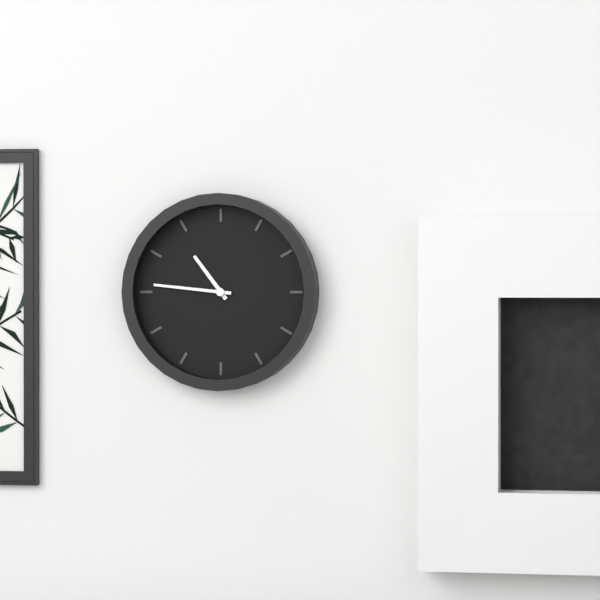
10:46
